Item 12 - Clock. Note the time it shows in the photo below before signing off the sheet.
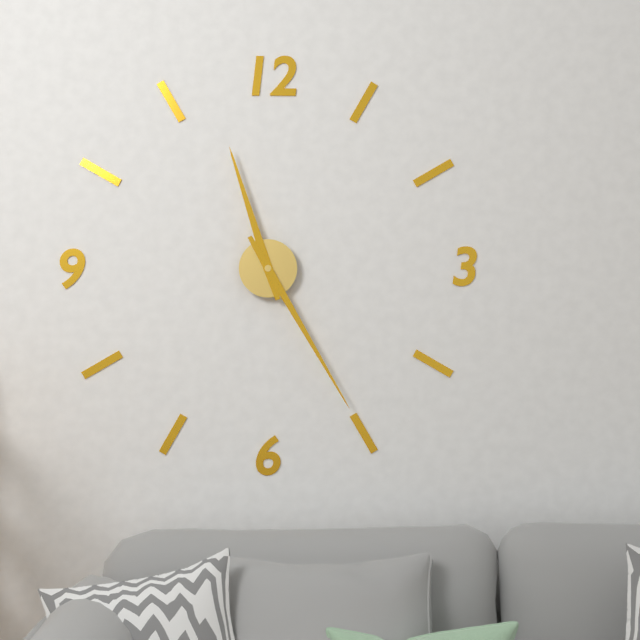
11:25
